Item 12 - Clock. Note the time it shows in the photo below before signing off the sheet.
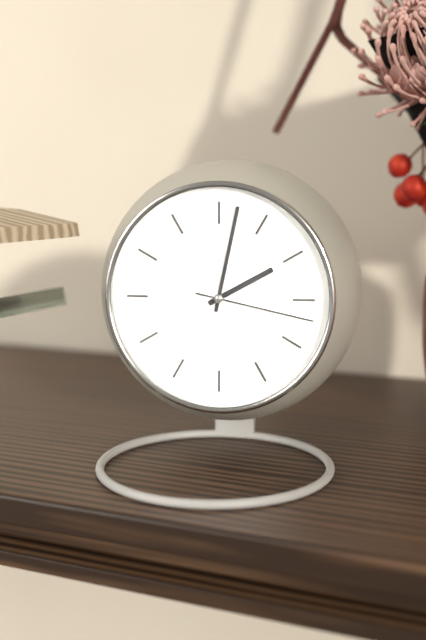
2:02:17
